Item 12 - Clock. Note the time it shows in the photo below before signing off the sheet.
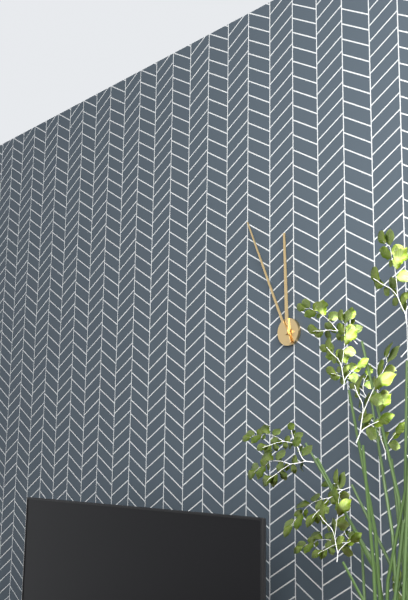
11:56
